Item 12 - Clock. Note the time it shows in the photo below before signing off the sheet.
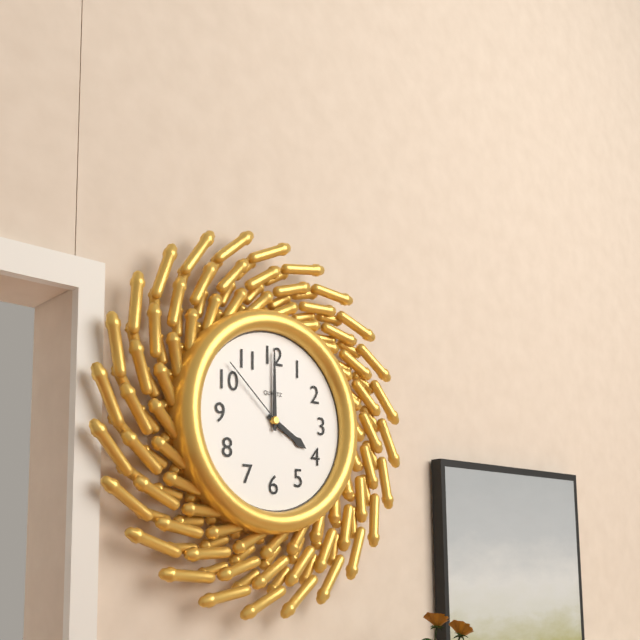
4:00:52
